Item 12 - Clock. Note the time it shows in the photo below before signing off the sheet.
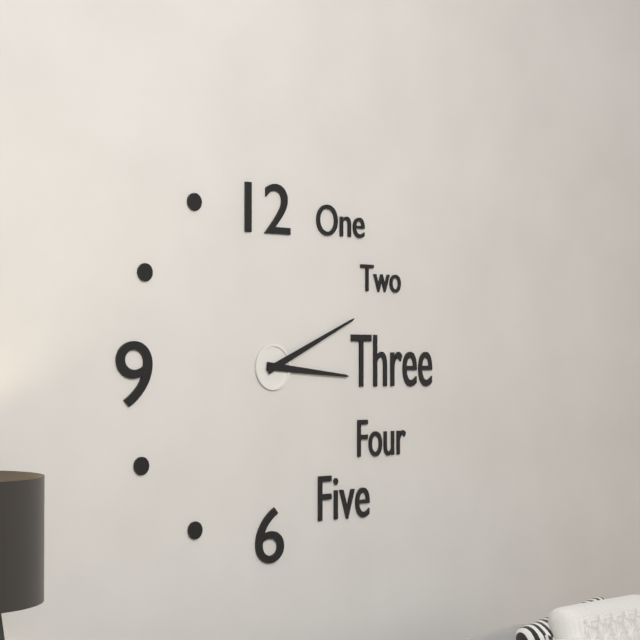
3:11
